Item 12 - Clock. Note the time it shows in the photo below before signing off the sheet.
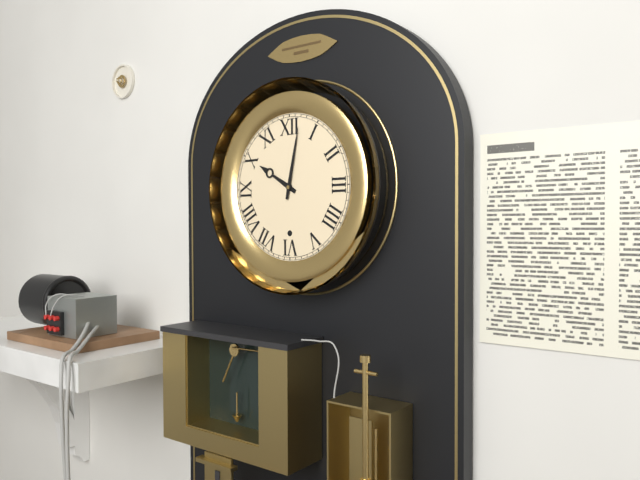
10:02
